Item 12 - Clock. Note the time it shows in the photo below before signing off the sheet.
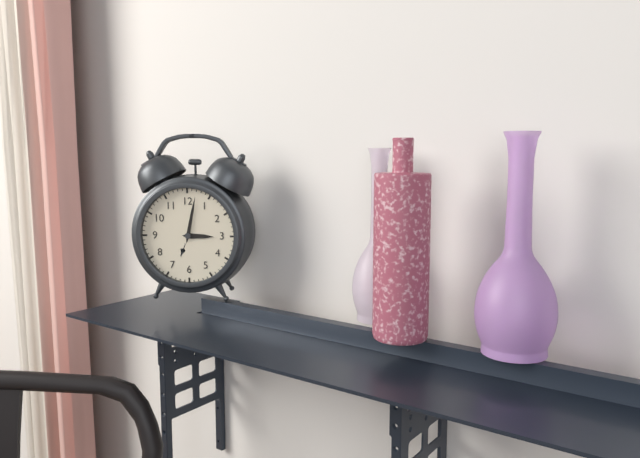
3:02
